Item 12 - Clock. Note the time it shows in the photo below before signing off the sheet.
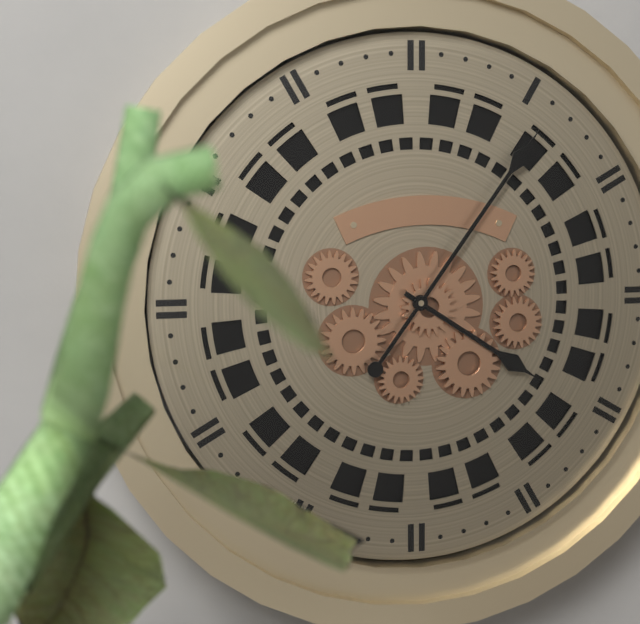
4:06
